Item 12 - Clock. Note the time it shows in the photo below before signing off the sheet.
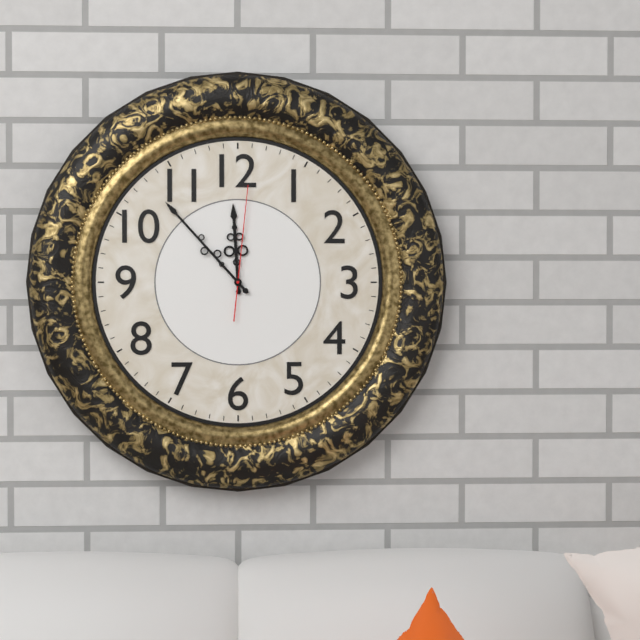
11:53:01
